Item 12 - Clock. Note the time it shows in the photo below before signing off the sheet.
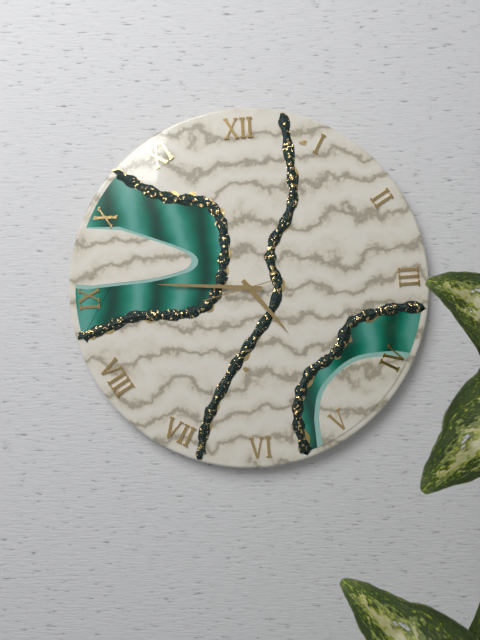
4:46:43
